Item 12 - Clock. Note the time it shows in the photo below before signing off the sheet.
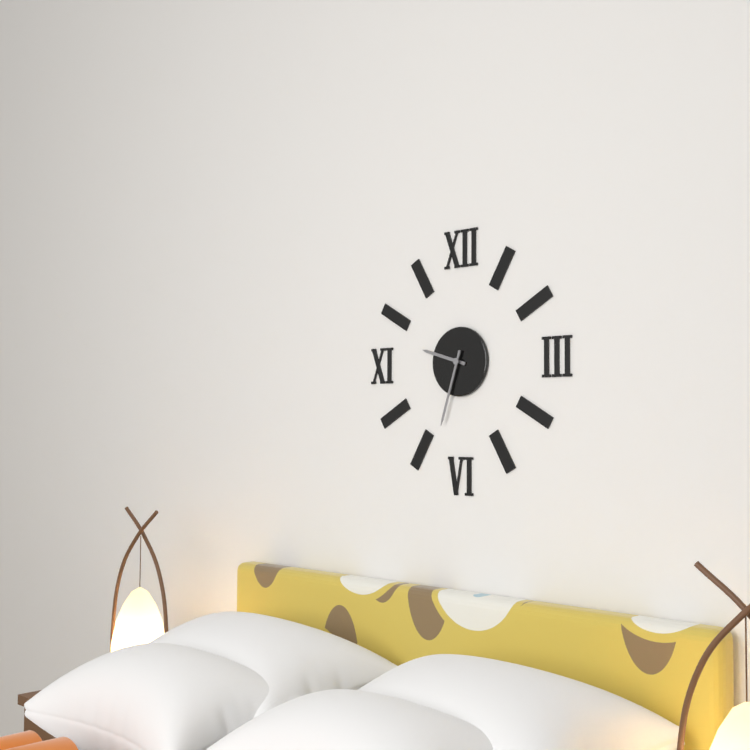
9:33
